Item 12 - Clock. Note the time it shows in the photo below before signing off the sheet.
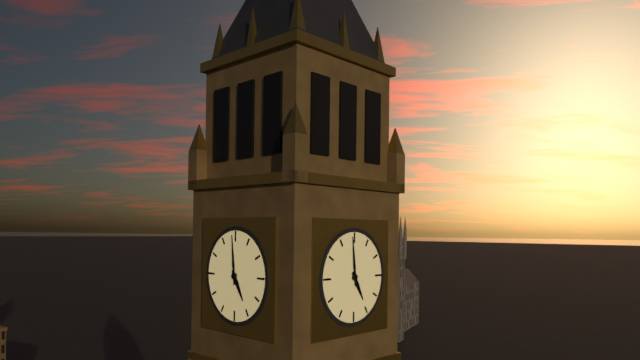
4:59
